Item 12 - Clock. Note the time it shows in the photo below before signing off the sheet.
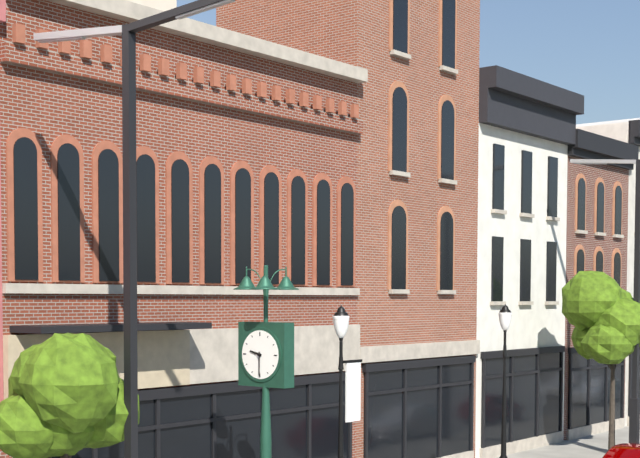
9:30
